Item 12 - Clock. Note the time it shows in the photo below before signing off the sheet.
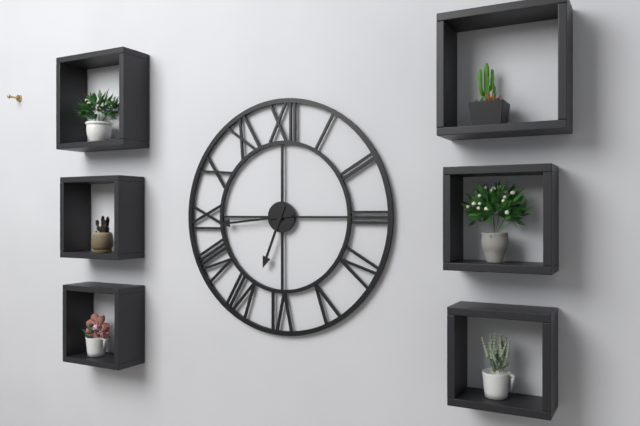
6:44
